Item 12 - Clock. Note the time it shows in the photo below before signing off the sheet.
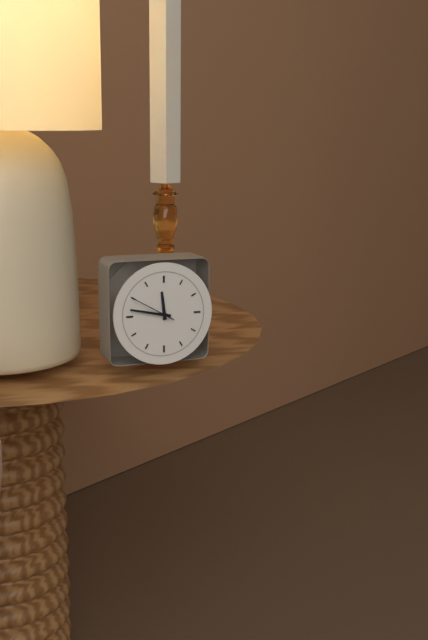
11:47
